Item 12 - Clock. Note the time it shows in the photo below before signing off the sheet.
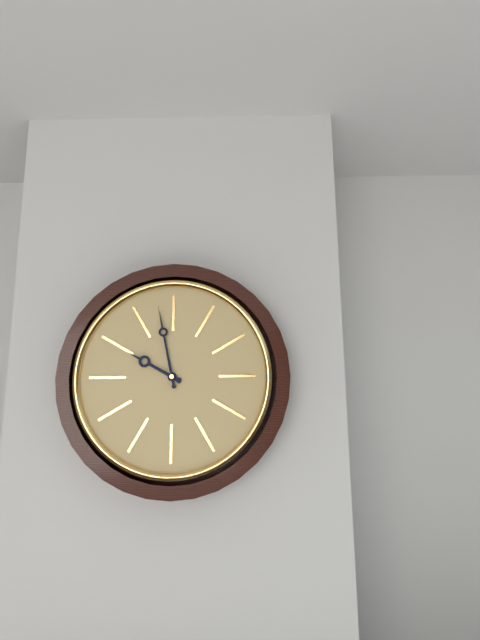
9:58
